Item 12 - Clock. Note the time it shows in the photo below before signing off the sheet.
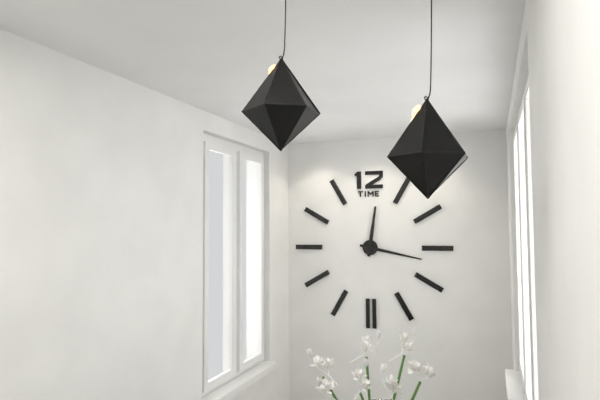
12:17
